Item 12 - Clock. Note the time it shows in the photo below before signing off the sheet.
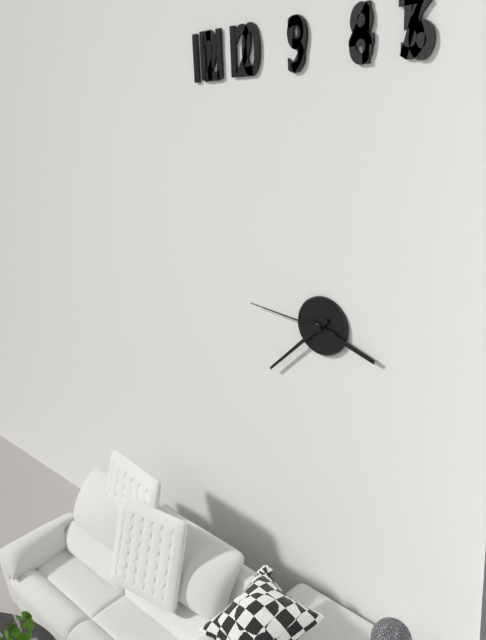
3:38:46
